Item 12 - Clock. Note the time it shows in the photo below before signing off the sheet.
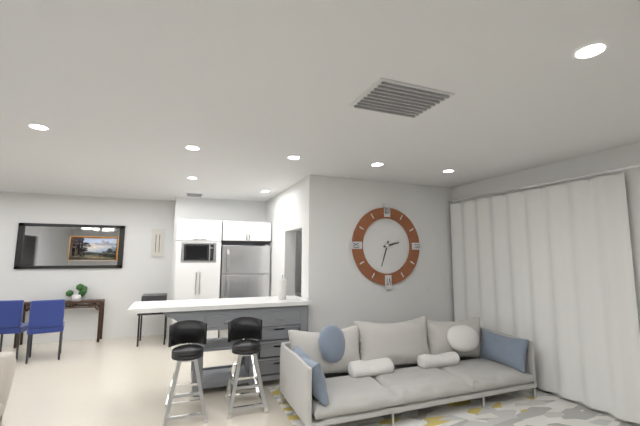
2:33
